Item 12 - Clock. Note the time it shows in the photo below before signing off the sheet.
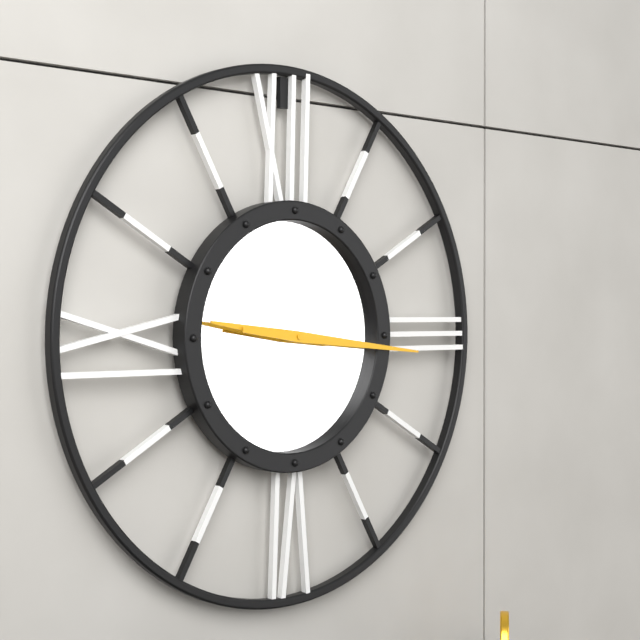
9:16
